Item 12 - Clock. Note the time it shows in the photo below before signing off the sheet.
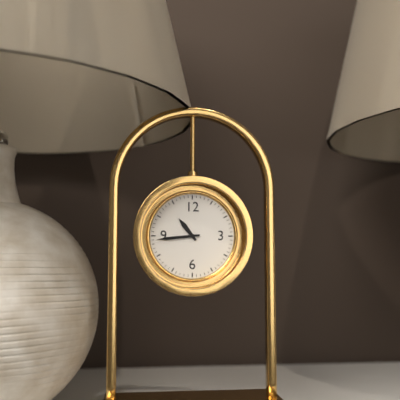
10:44
